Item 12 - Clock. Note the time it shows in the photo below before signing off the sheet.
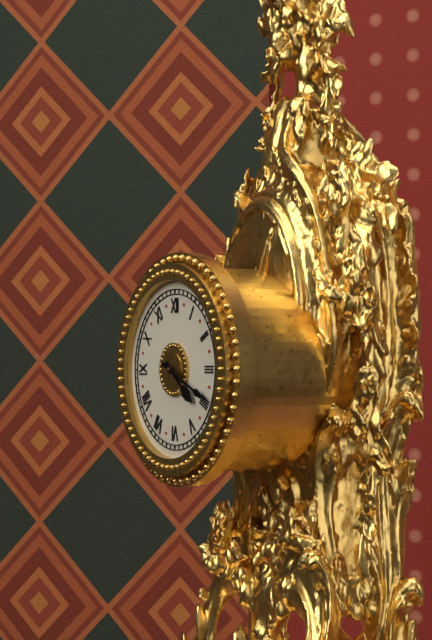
4:19
